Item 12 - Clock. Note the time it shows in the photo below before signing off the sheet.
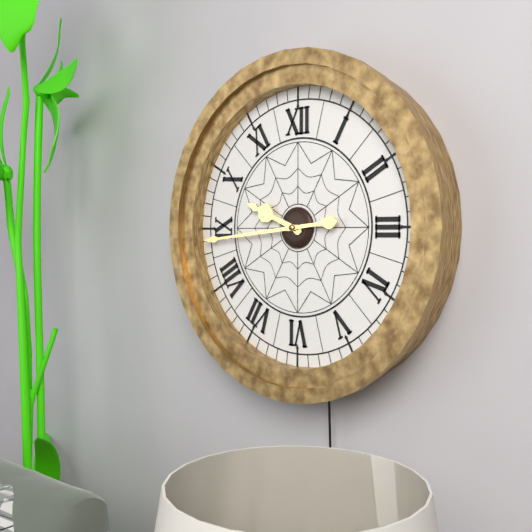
9:44
